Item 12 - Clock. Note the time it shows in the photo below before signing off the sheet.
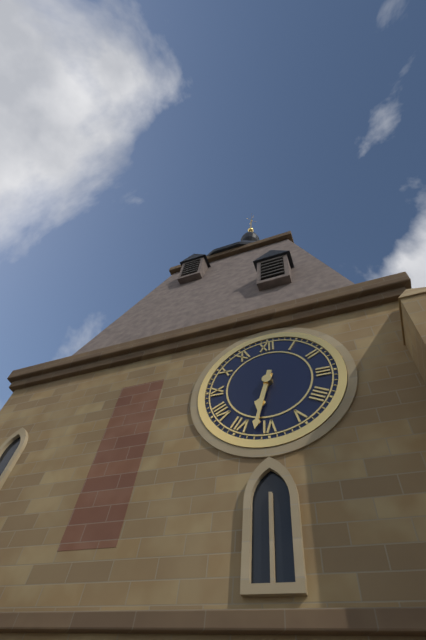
6:32
